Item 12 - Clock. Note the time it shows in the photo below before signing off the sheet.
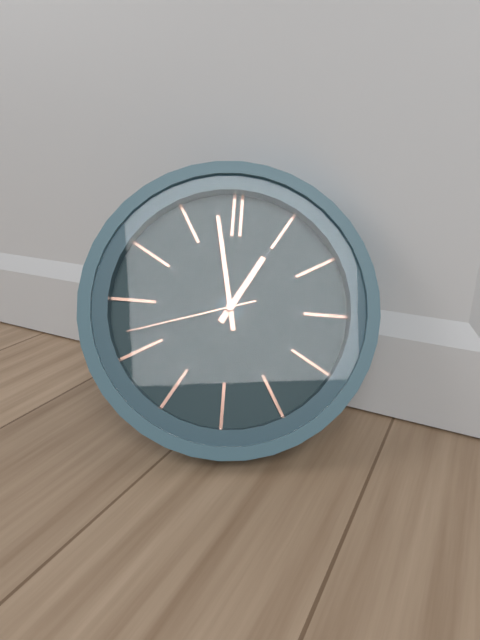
12:58:42
